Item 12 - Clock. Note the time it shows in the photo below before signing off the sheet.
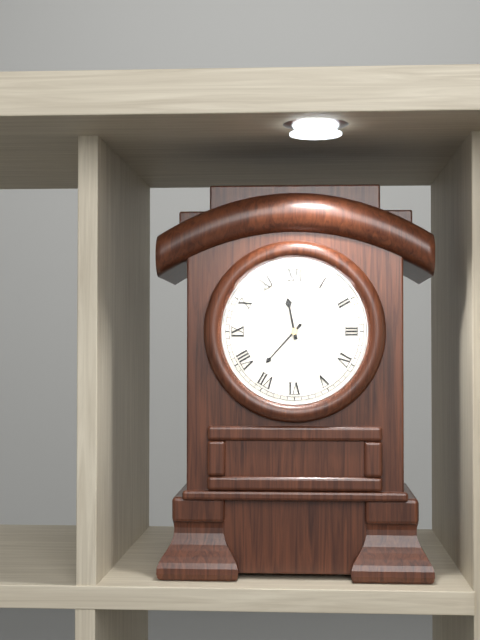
11:37
